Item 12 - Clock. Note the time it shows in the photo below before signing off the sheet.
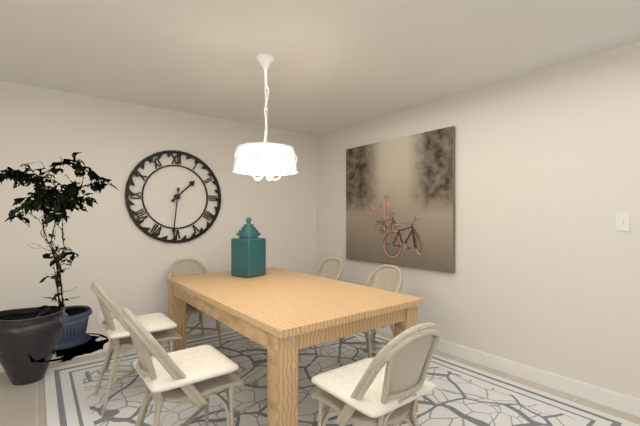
1:31
